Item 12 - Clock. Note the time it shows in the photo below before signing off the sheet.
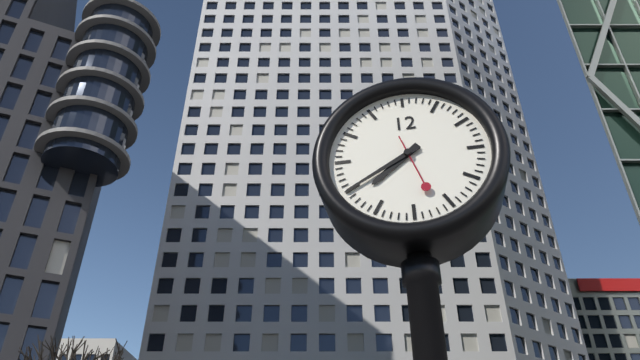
7:40:27
